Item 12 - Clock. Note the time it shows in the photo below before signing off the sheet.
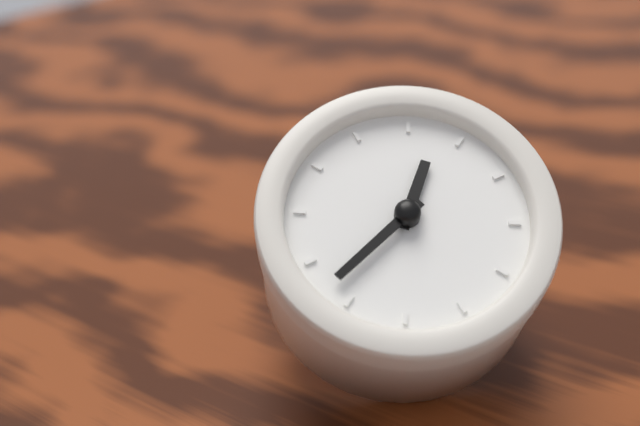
11:32
